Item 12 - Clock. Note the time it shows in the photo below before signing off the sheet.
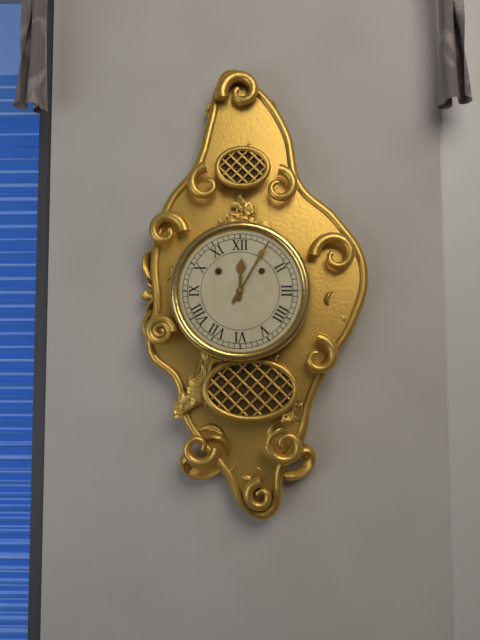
12:05
